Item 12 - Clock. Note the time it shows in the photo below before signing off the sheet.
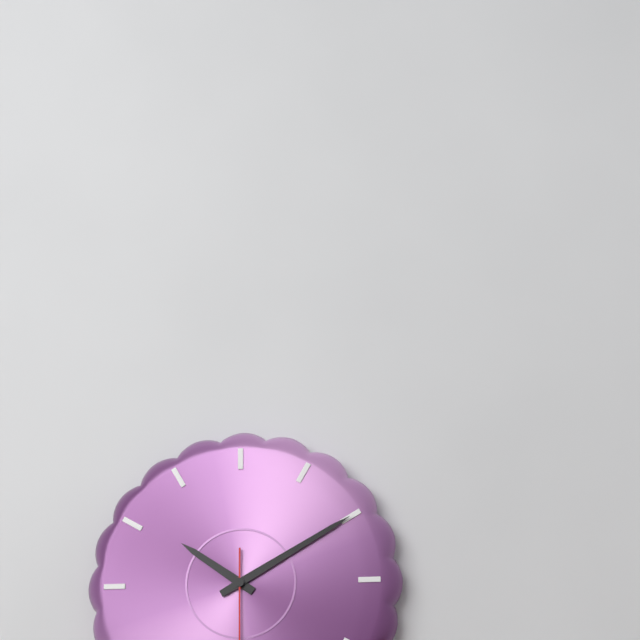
10:10
